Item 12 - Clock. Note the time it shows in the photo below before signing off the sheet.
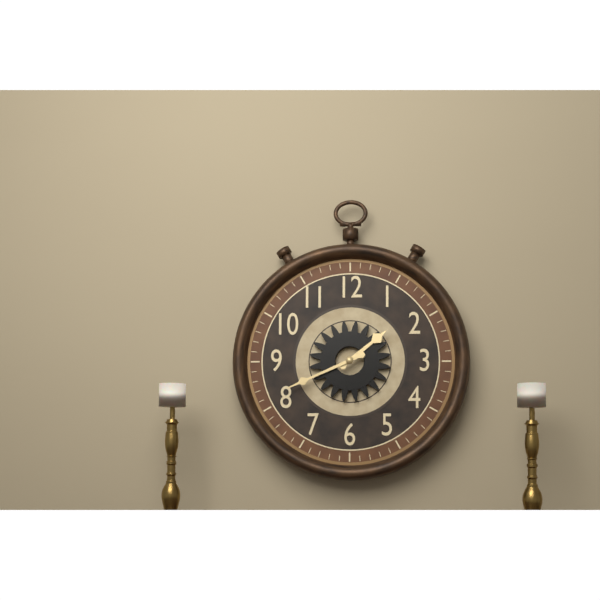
1:41
